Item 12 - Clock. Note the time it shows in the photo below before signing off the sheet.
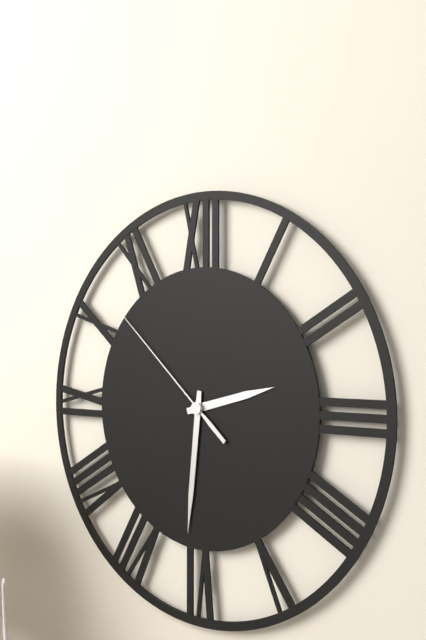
2:31:52
